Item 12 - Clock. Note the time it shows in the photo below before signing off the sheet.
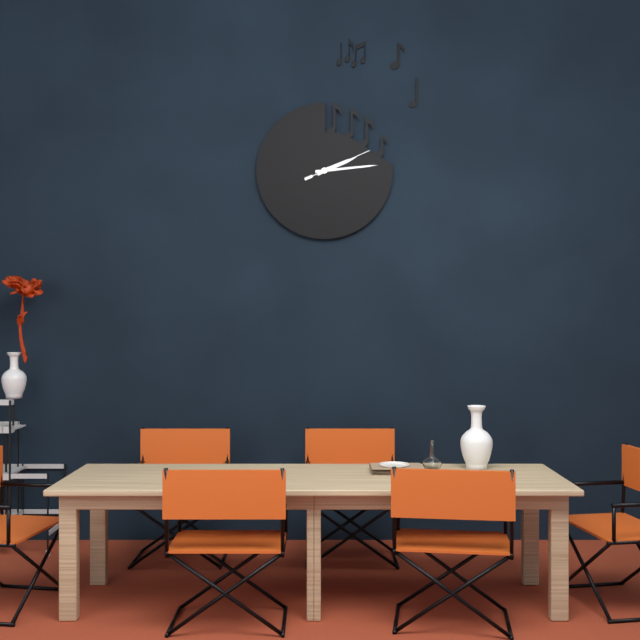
2:14:11
